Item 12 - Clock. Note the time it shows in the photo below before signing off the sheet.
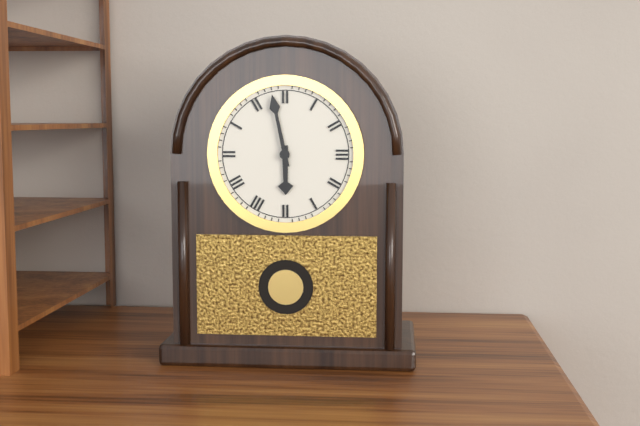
5:58
